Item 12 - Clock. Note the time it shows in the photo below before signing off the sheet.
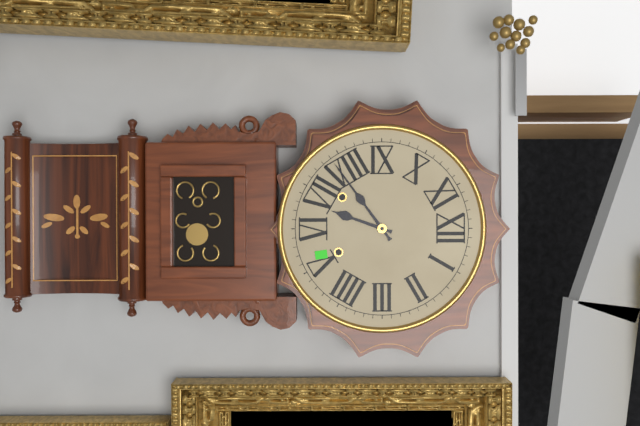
6:39
